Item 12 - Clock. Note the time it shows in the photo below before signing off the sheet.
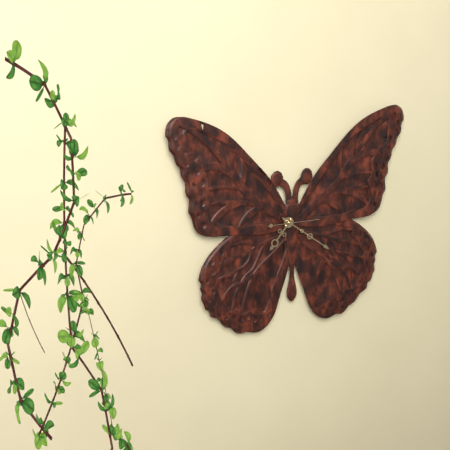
7:21
